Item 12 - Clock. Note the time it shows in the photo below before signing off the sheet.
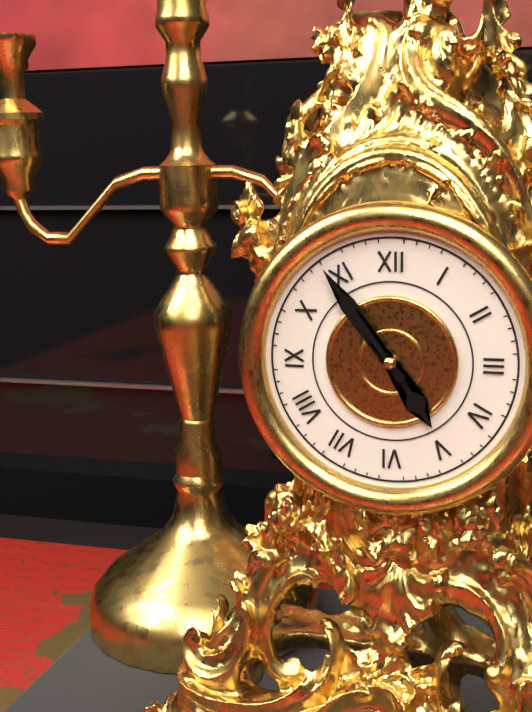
4:54
